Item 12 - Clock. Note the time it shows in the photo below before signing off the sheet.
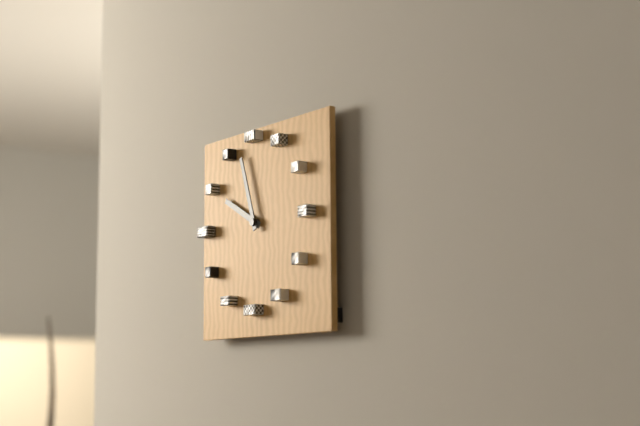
9:57
